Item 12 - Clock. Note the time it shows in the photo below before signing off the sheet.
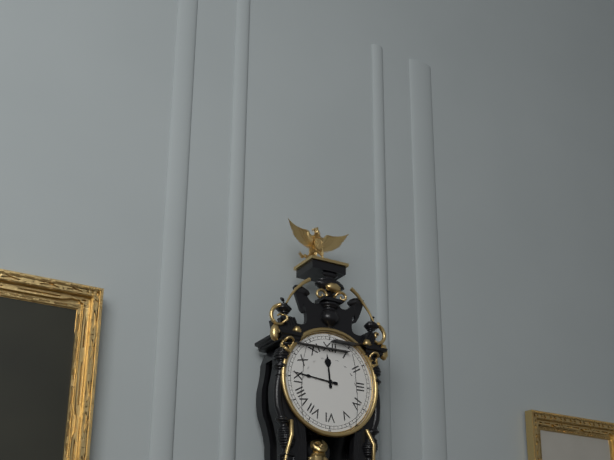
11:46
